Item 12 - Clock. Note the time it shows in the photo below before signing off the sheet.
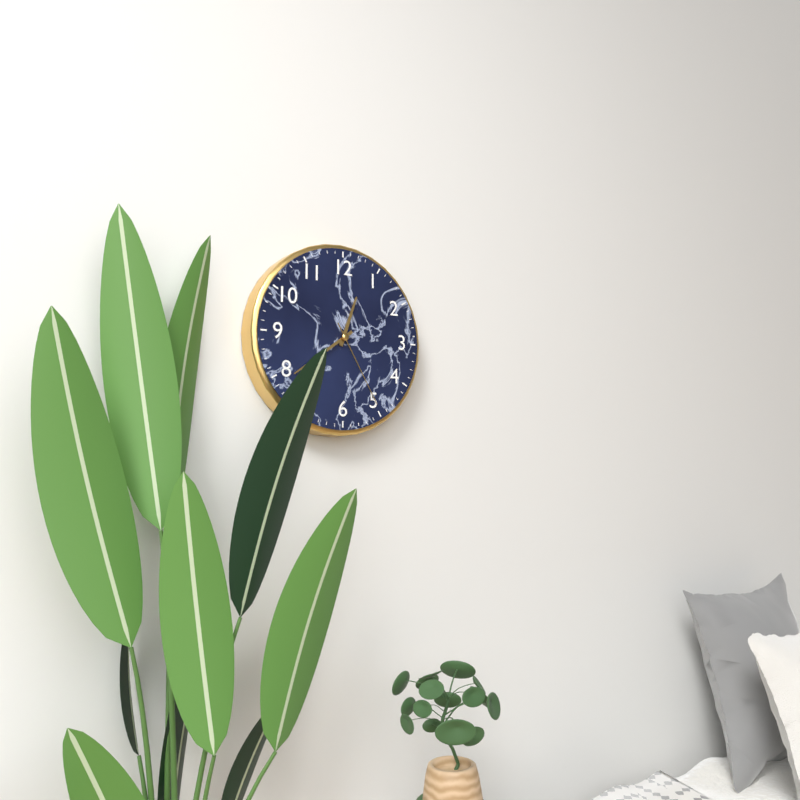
12:39:25
